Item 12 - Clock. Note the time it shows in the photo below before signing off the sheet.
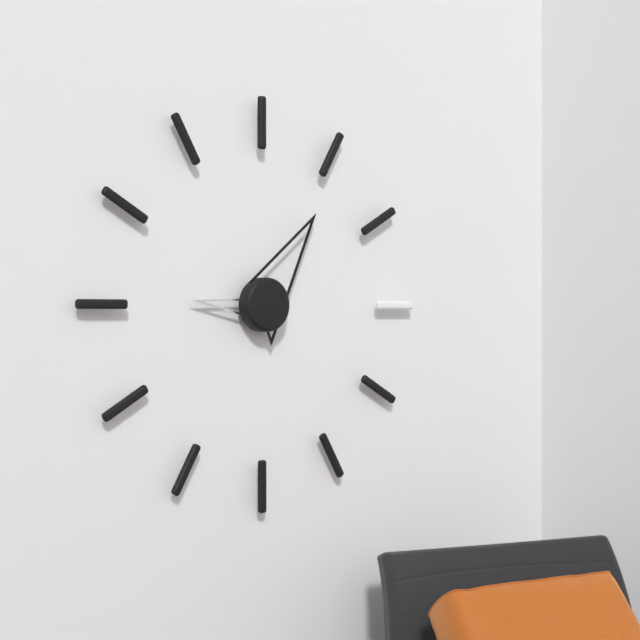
9:06
